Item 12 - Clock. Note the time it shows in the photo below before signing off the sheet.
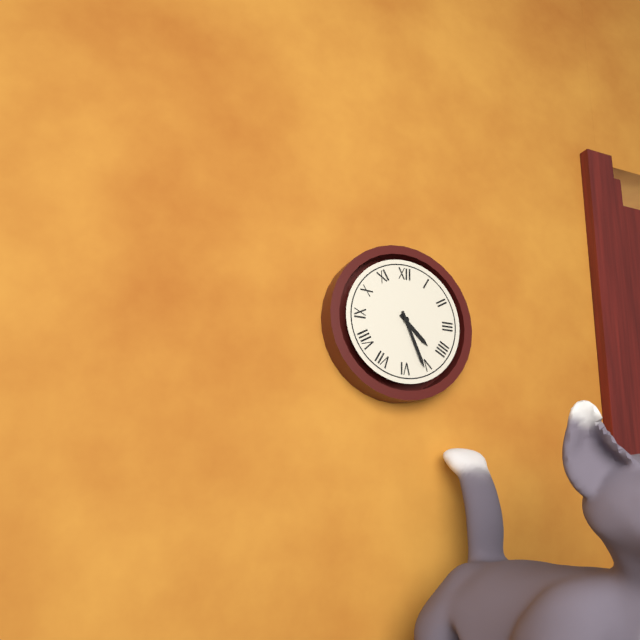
4:26
